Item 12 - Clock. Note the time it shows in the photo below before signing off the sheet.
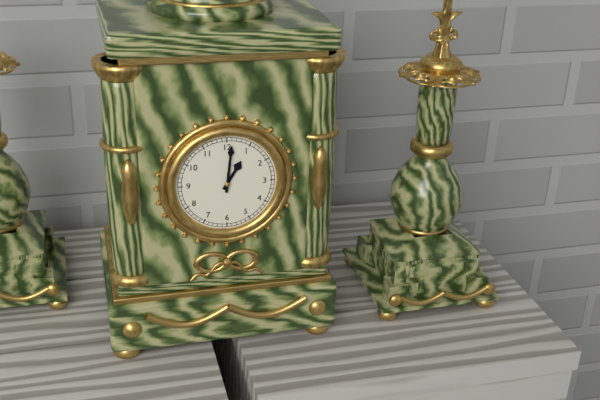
1:01
